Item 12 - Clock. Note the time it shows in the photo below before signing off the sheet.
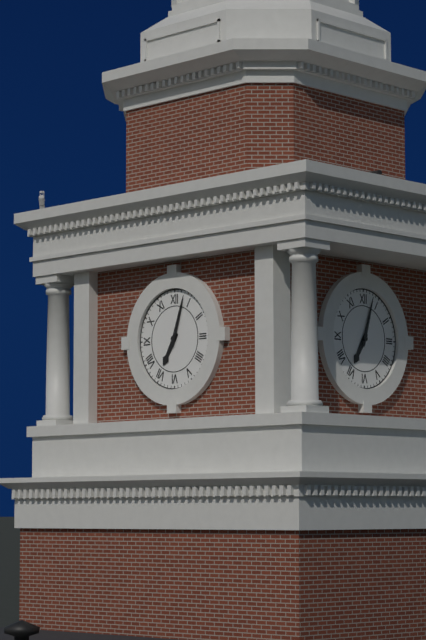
7:03
